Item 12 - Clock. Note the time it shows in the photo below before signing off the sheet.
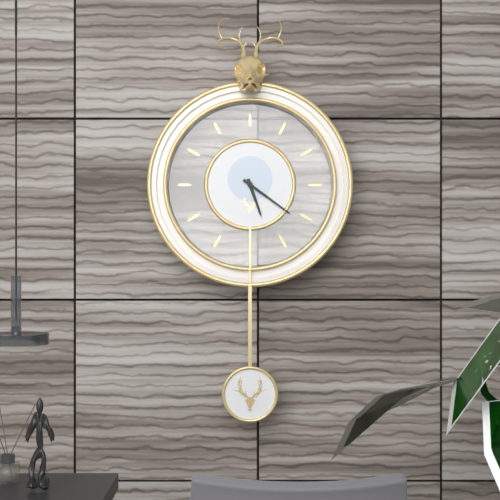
5:21
